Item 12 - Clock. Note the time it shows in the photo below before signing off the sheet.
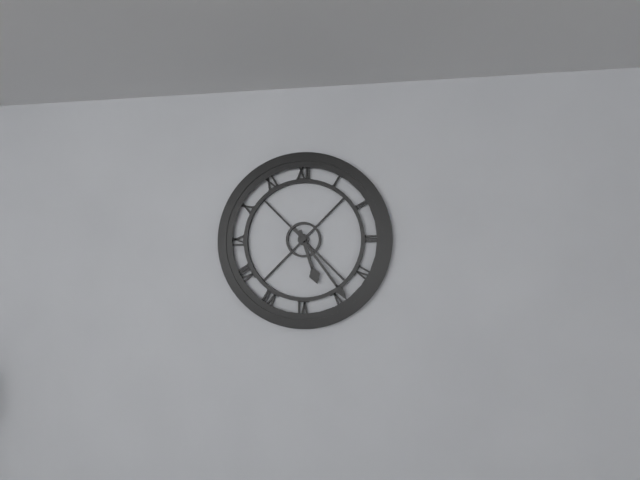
5:24
